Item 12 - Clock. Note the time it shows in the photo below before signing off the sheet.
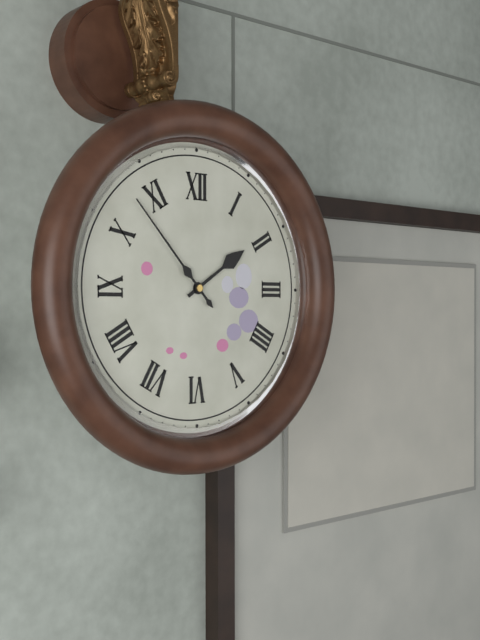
1:53
